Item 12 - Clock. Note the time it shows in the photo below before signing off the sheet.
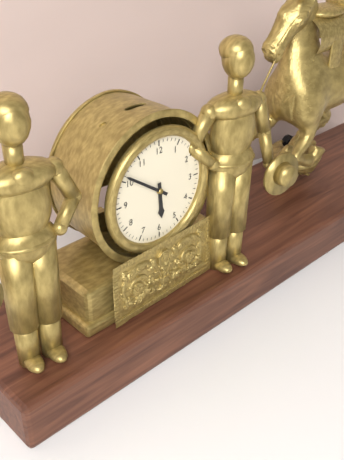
5:51
